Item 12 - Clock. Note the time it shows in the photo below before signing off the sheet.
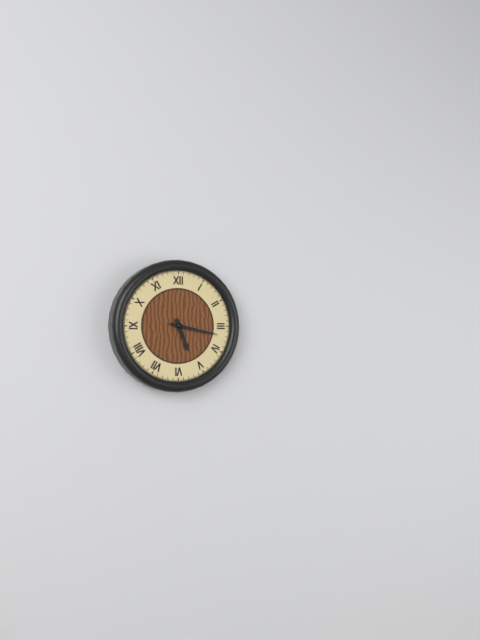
5:17
